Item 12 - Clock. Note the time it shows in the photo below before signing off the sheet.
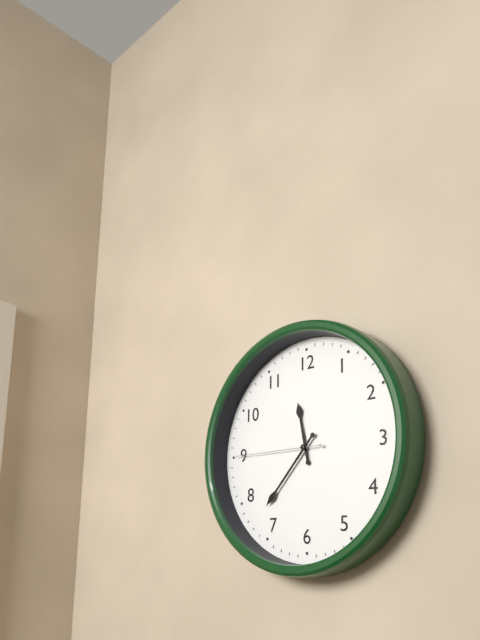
11:37:45
